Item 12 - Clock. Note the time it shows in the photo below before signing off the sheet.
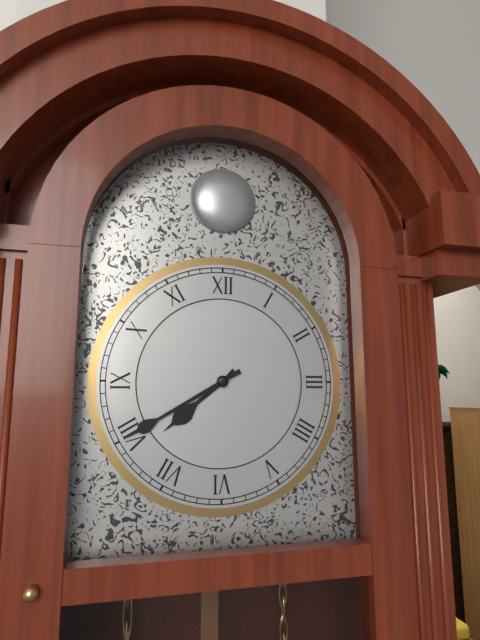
7:40
